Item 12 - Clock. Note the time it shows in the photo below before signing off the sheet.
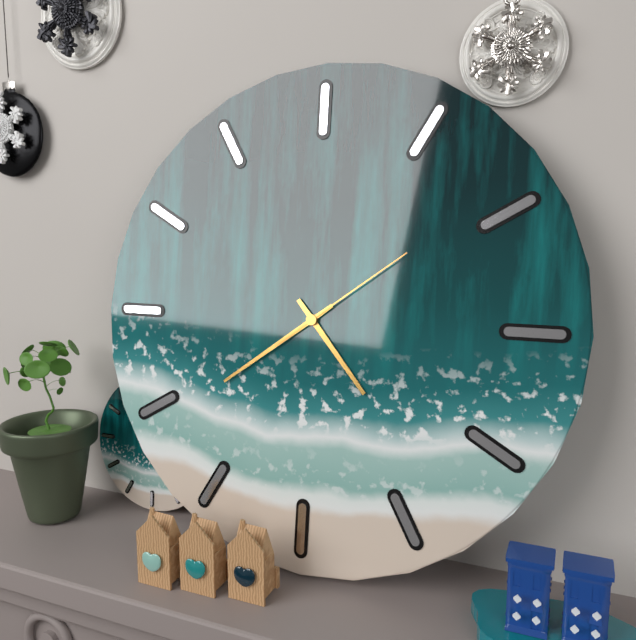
4:39:09
